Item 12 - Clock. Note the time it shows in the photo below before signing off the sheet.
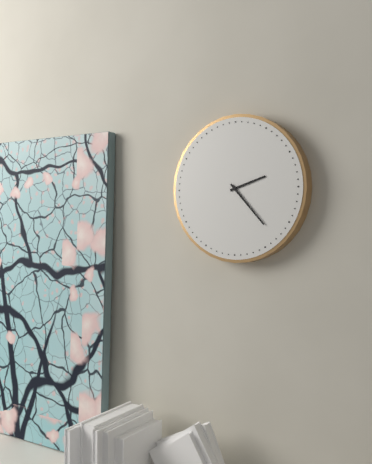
2:23
